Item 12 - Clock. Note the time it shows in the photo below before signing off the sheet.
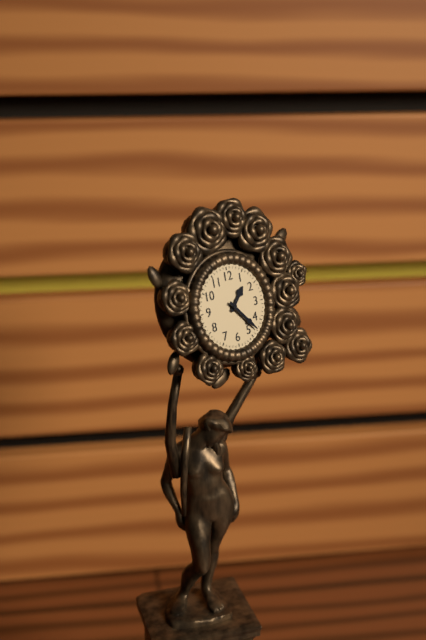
1:23
